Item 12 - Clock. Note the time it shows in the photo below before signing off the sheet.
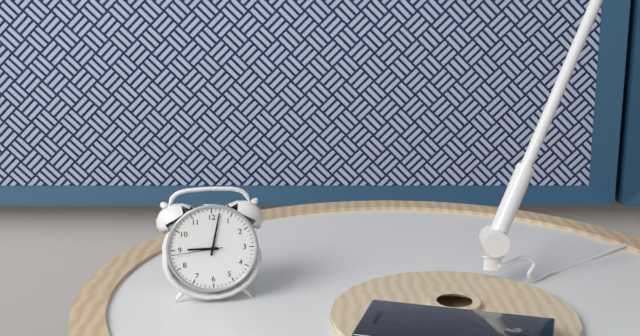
9:02:44
